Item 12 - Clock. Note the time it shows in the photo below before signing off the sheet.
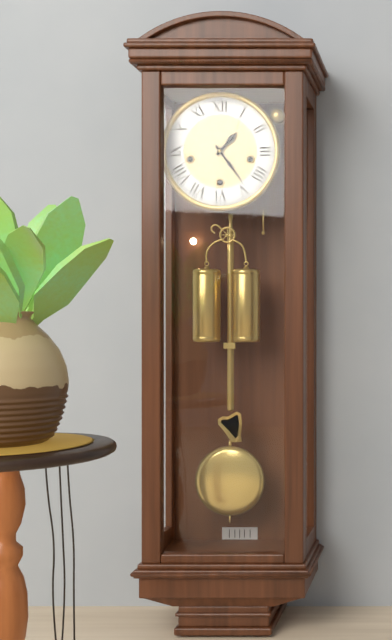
1:24
